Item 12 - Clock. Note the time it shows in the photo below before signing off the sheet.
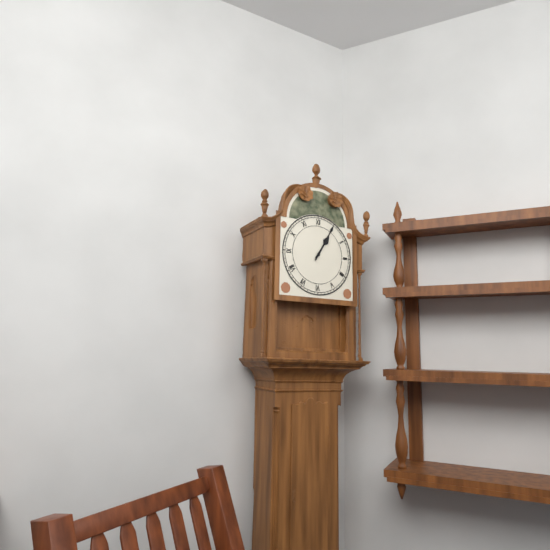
1:05
